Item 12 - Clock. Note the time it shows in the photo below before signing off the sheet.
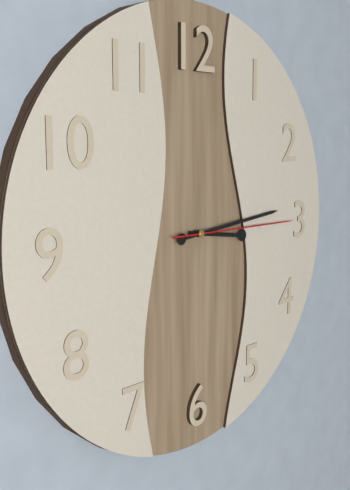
3:14:15
